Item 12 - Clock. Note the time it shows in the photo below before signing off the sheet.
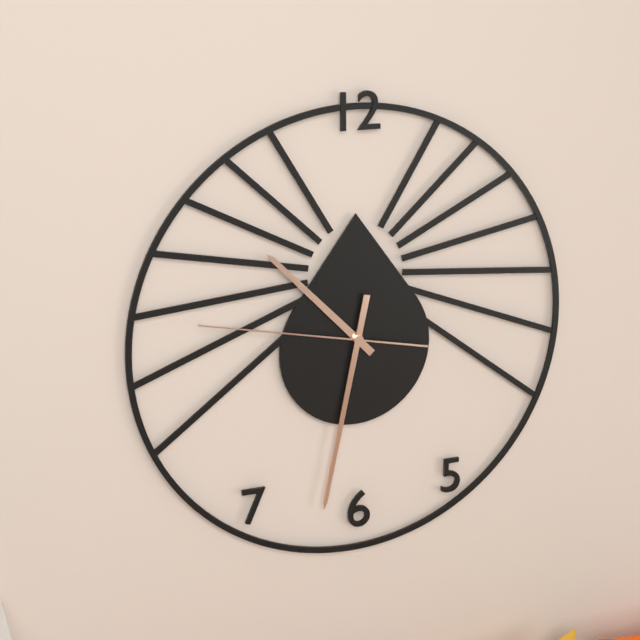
10:32:47
